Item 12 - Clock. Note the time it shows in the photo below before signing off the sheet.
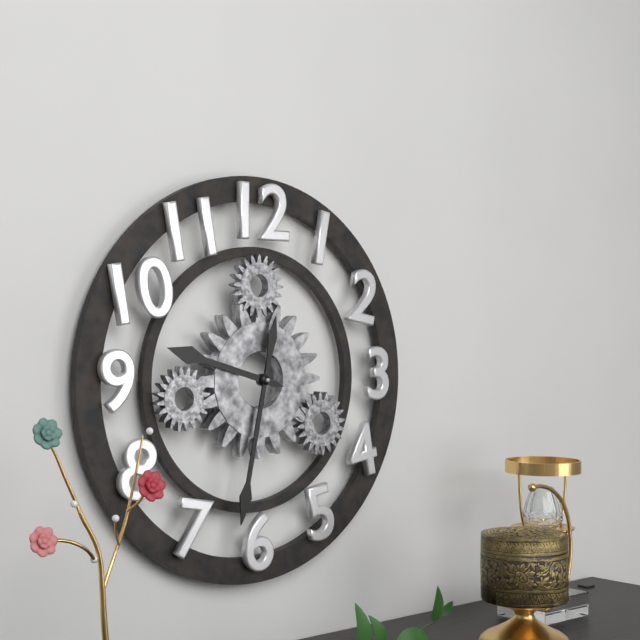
9:32
